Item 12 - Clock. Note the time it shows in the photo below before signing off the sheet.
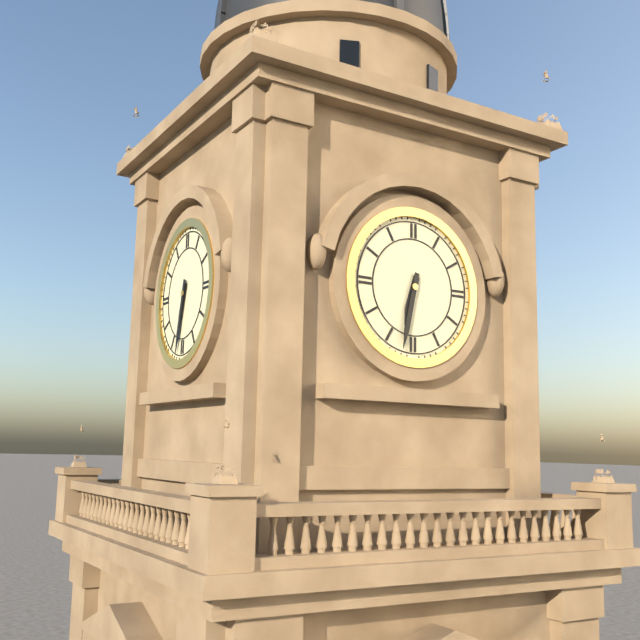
6:32
